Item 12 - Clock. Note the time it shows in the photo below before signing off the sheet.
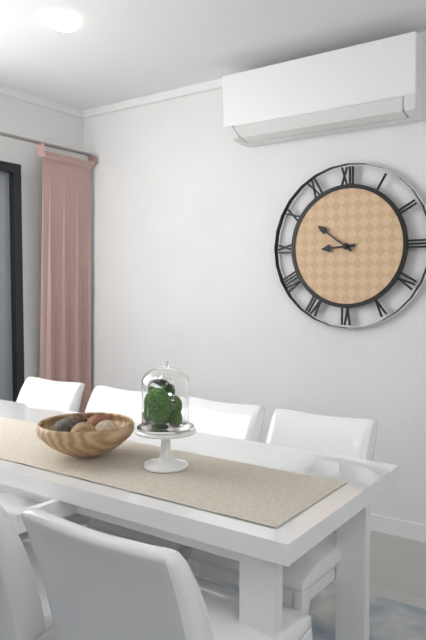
8:51
